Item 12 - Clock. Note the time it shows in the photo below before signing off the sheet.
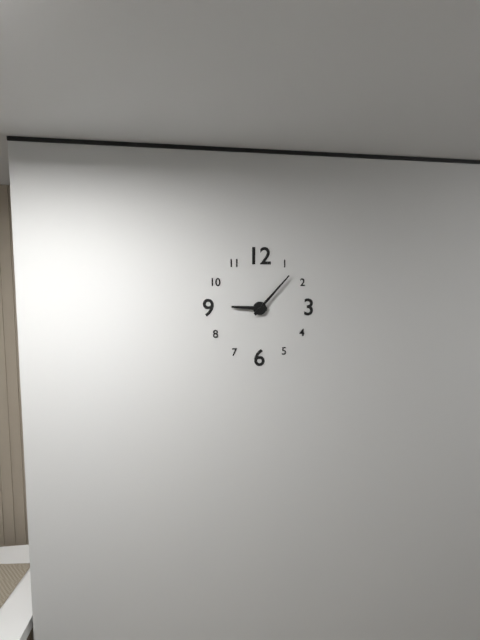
9:07
